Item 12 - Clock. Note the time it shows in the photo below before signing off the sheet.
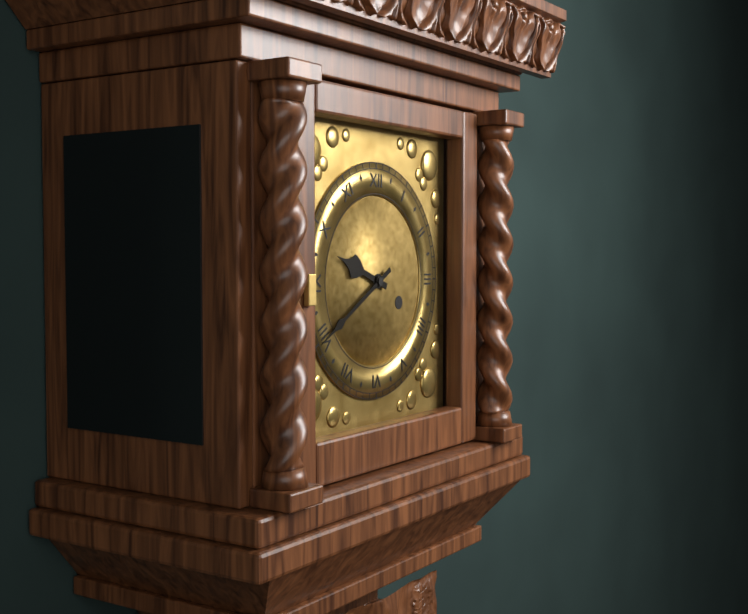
9:40
